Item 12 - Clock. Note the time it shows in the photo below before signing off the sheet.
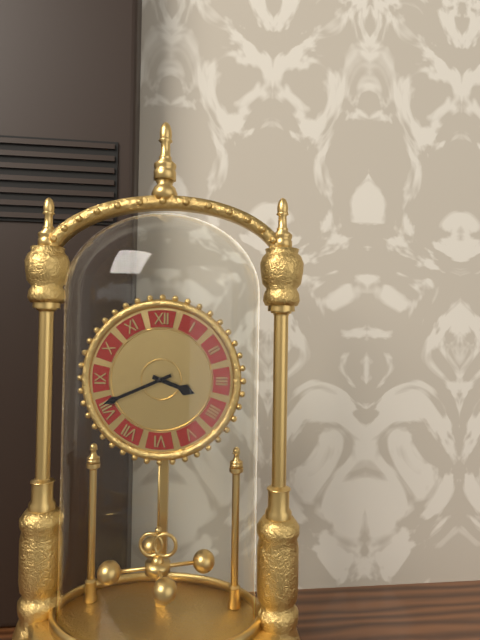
3:41
